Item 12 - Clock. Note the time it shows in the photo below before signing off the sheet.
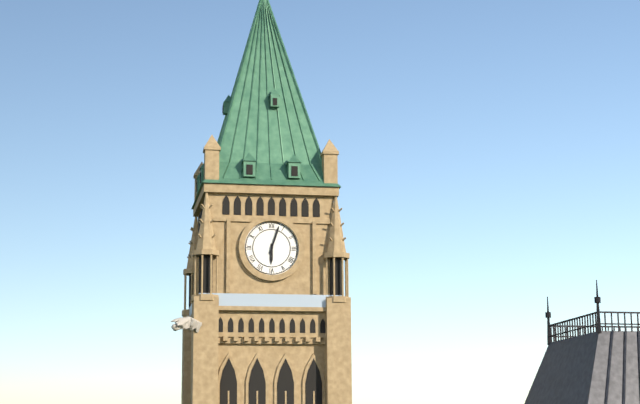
6:03
